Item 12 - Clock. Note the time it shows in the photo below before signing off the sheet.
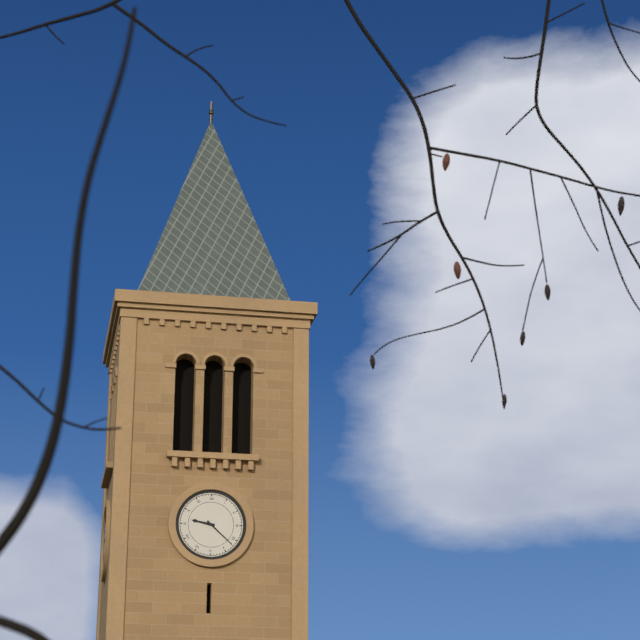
9:22
